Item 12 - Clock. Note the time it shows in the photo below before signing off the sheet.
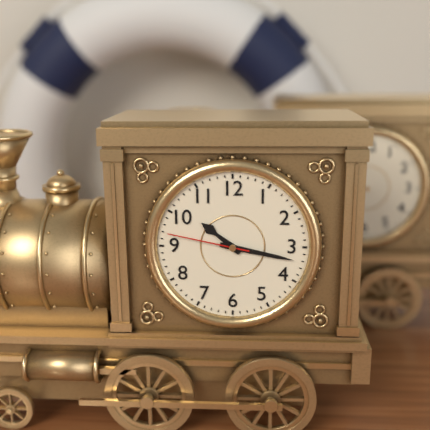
10:17:47
